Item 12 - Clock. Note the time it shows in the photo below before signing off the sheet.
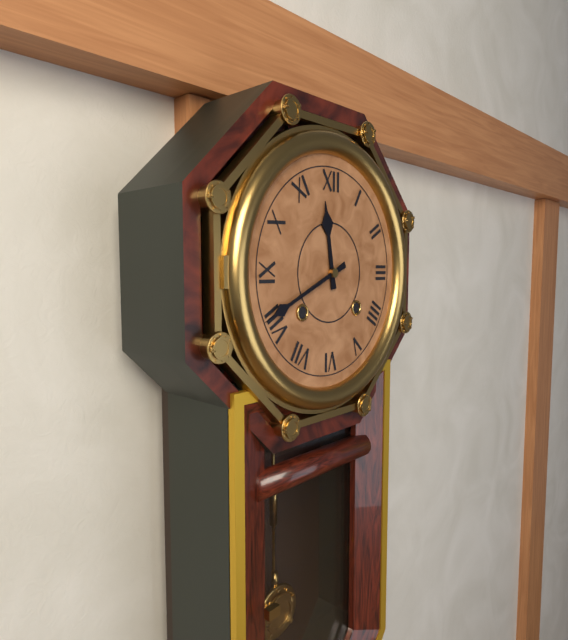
11:41
